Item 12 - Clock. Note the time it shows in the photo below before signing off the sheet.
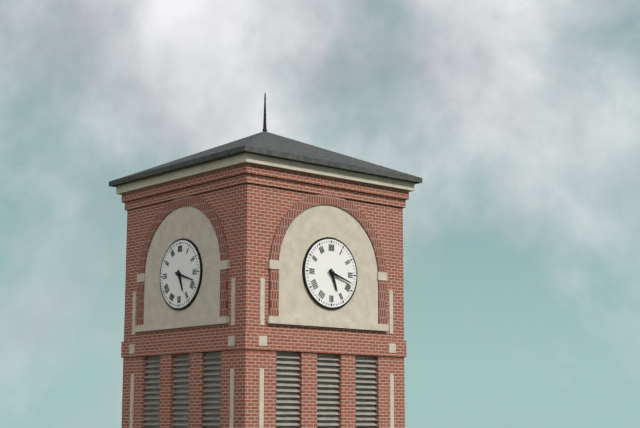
5:18
